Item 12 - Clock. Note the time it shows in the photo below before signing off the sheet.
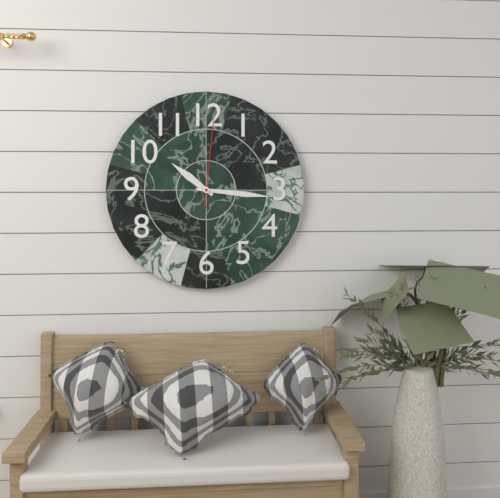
10:16:01
